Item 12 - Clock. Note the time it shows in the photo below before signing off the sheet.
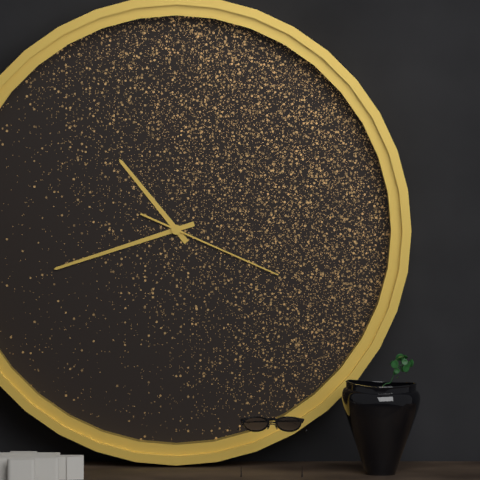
10:42:19
